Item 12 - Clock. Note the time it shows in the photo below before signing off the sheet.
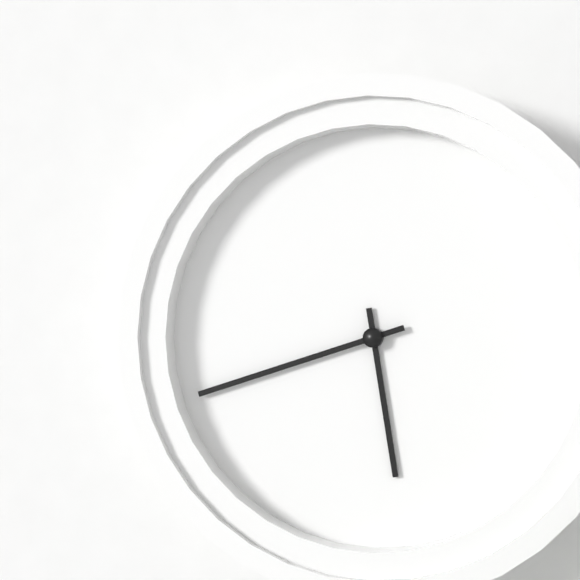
5:42
